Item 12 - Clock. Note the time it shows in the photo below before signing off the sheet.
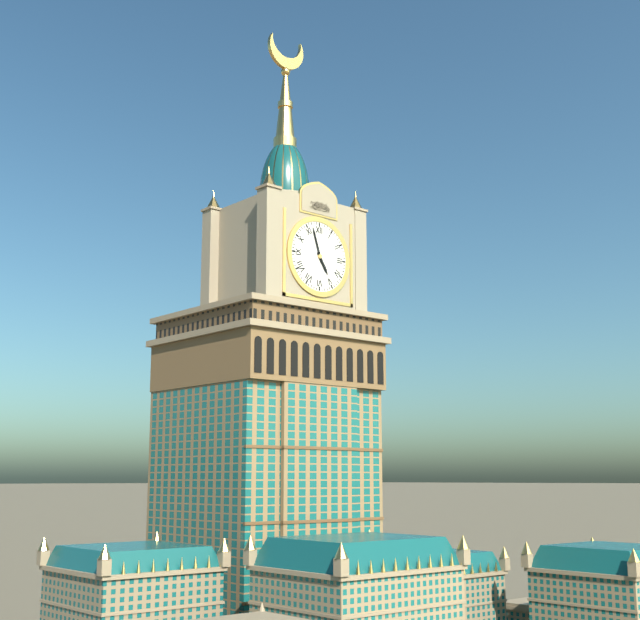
4:57
